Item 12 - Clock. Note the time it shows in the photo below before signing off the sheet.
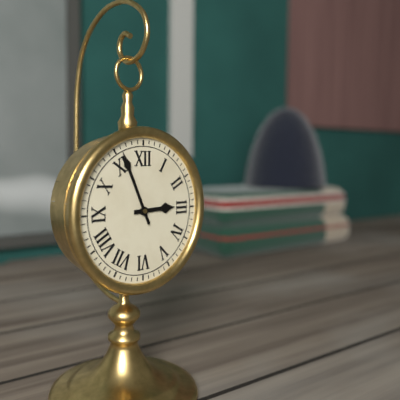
2:56
